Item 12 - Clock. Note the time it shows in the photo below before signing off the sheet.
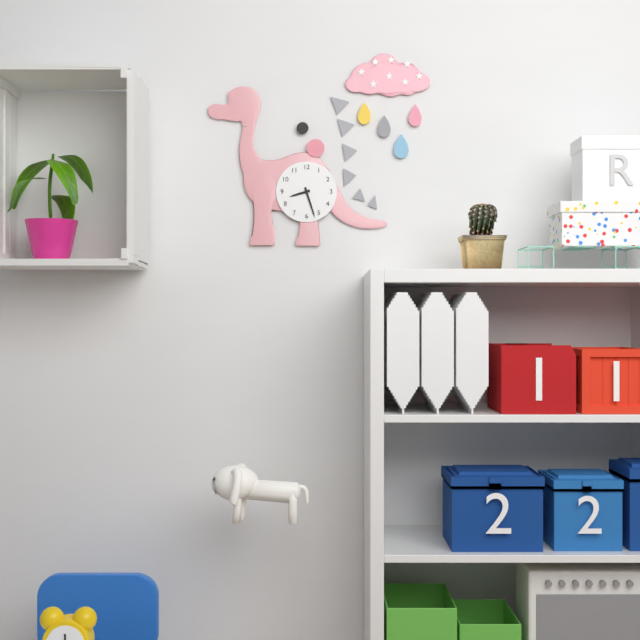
8:27
